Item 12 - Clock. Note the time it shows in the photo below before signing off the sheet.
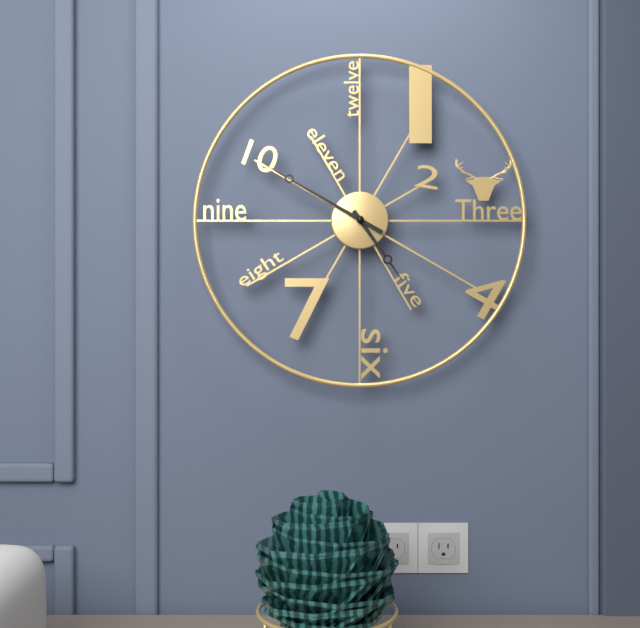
4:50
